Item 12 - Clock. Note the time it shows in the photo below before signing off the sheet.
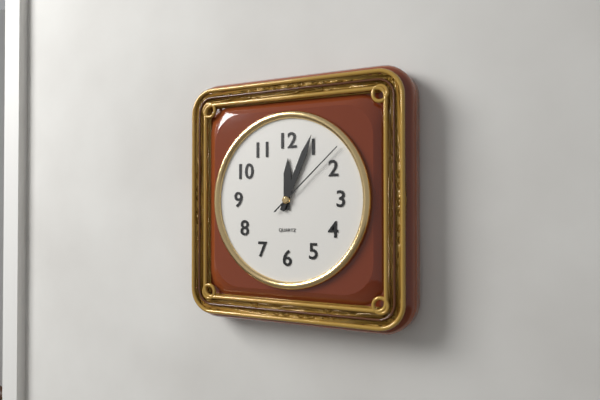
12:04:08
